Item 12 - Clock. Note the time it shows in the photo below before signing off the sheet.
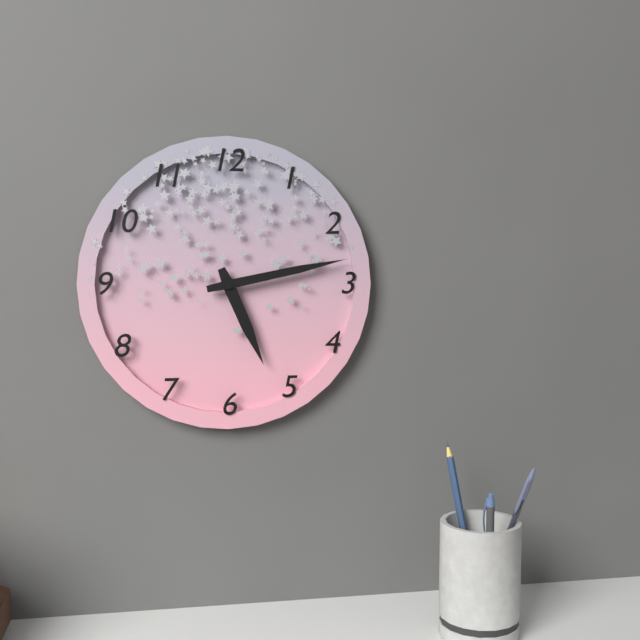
5:13
